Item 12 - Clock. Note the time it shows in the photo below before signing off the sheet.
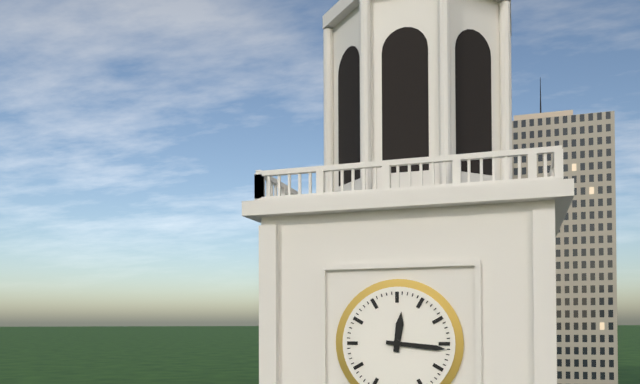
12:16
